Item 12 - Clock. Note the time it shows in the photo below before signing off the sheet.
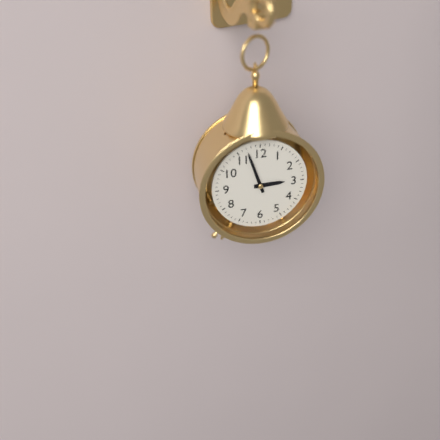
2:57
